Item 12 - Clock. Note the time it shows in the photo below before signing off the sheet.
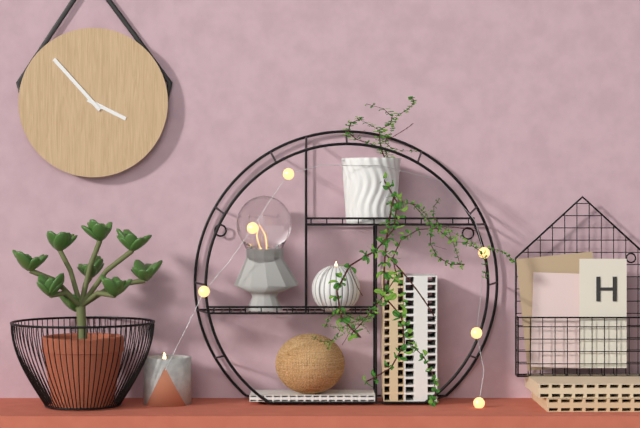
3:53
